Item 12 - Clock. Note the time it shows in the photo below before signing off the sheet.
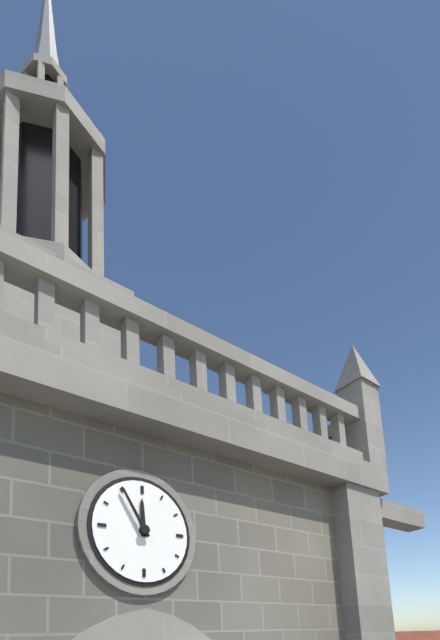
11:55
